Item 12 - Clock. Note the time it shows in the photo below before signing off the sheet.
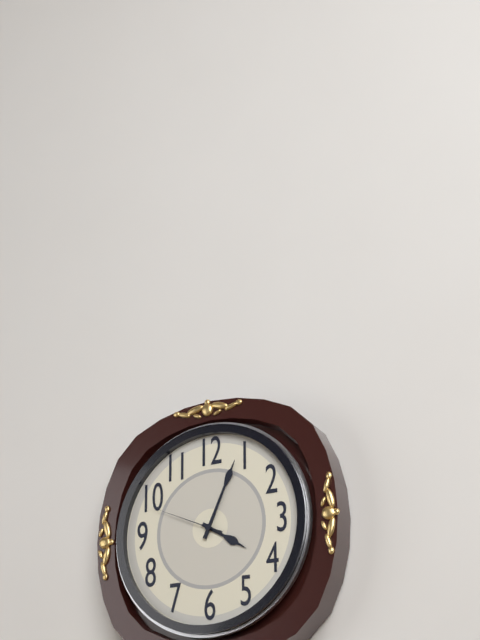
4:04:49
